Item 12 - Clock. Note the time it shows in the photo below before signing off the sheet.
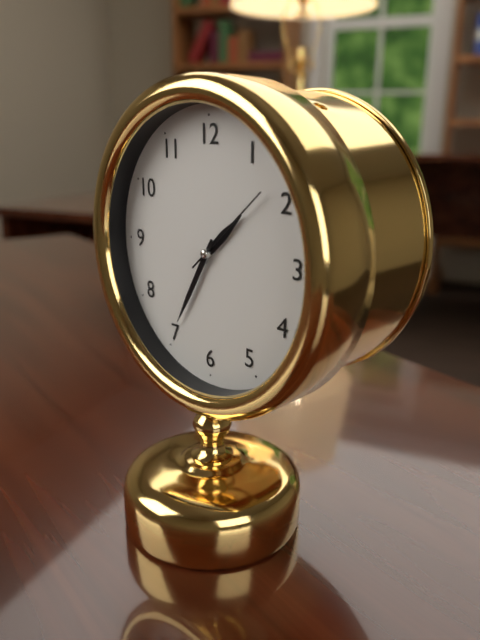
1:35:08
